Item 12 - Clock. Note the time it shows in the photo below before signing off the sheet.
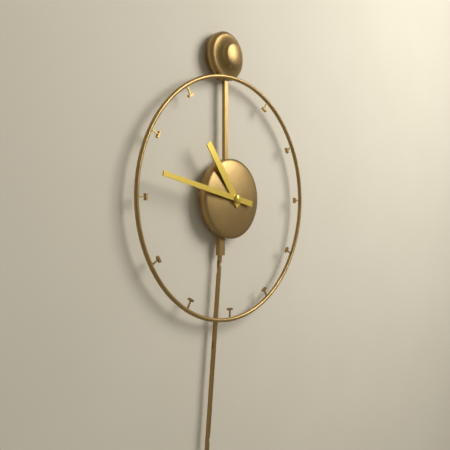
10:47
